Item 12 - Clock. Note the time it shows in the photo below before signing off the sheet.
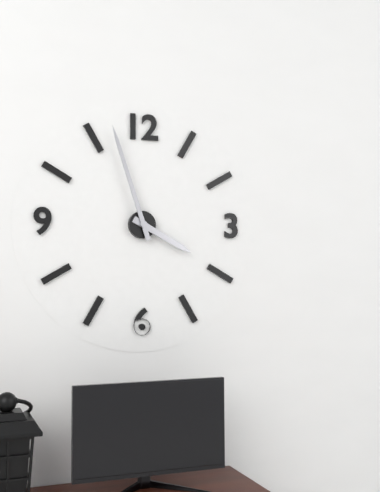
3:57
